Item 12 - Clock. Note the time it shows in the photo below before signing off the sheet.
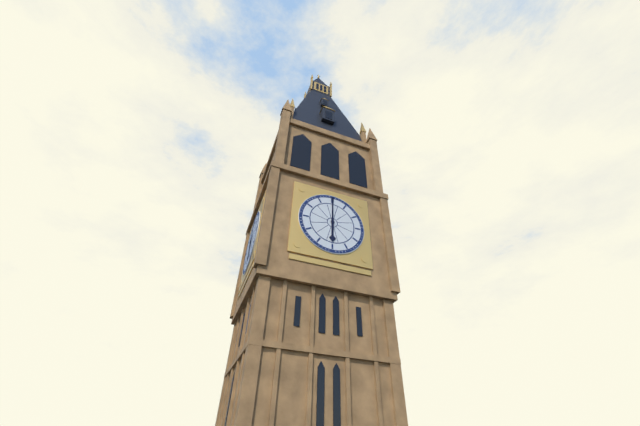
6:00
